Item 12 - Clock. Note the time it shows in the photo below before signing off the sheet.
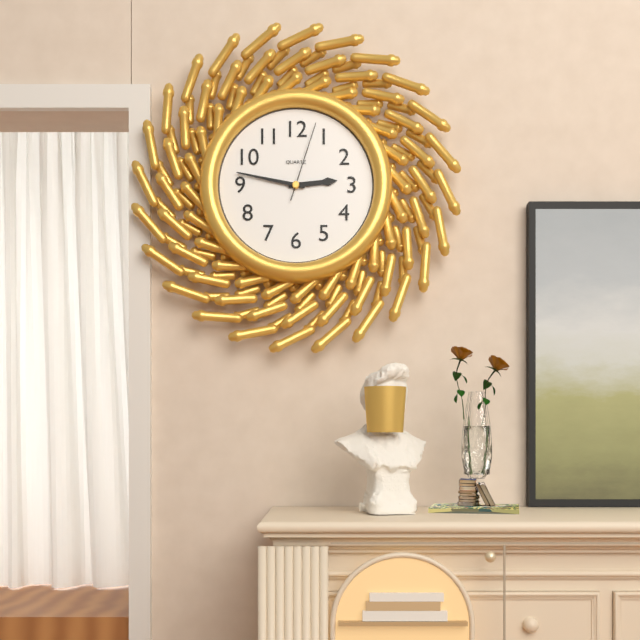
2:47:03
